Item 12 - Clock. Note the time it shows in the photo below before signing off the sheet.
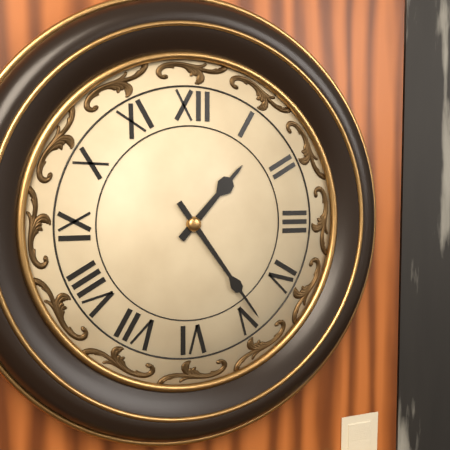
1:24
